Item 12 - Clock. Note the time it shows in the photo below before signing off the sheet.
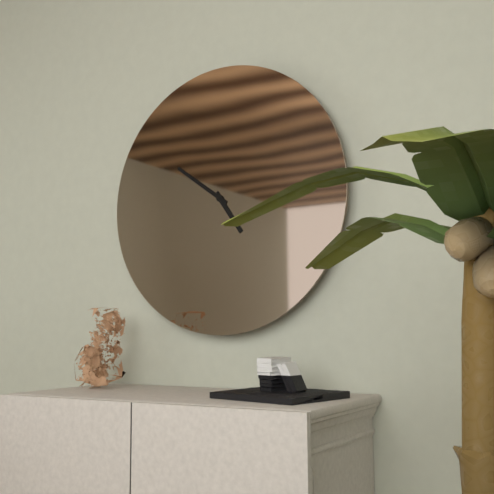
4:51
